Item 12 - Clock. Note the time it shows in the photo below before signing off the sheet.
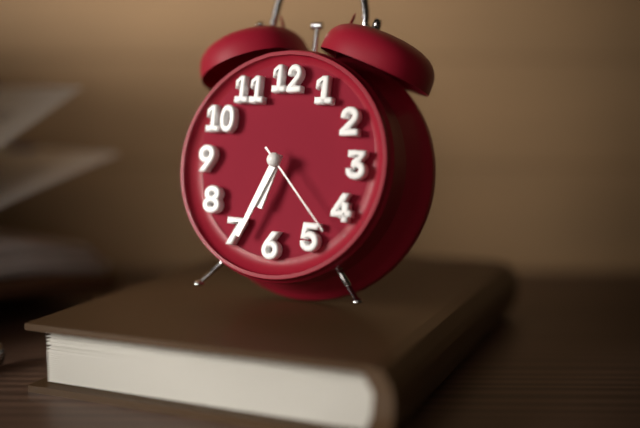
6:34:23
